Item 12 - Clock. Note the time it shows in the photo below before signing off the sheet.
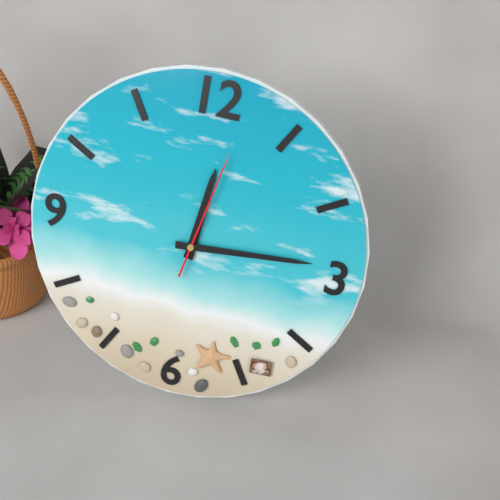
12:14:02
